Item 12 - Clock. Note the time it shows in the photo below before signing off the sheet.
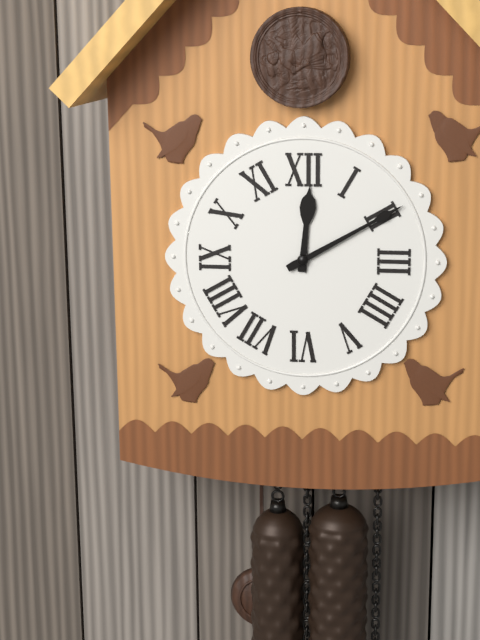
12:10
